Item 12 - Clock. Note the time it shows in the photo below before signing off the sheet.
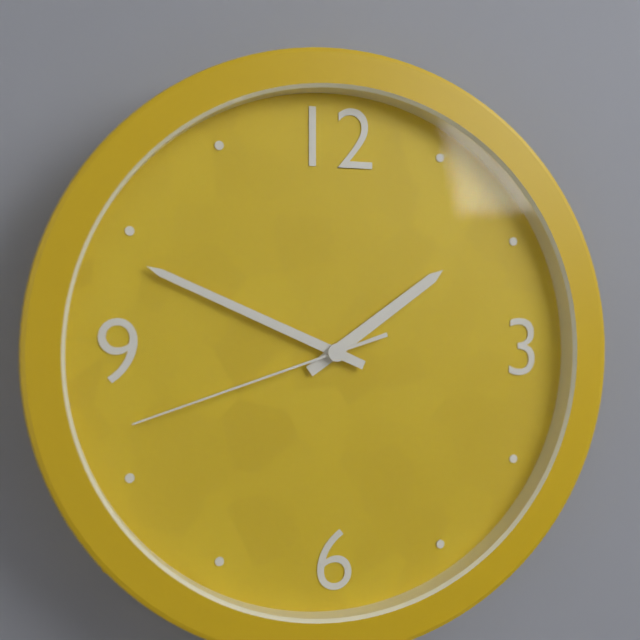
1:49:42
